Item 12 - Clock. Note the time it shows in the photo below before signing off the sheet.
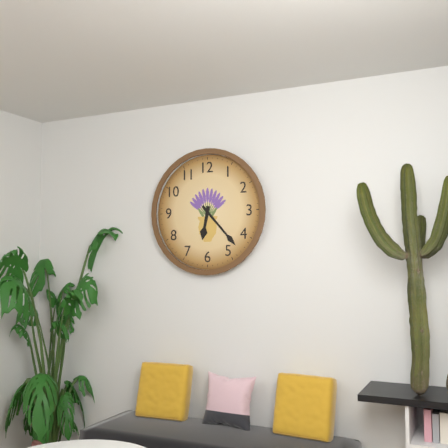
6:23
